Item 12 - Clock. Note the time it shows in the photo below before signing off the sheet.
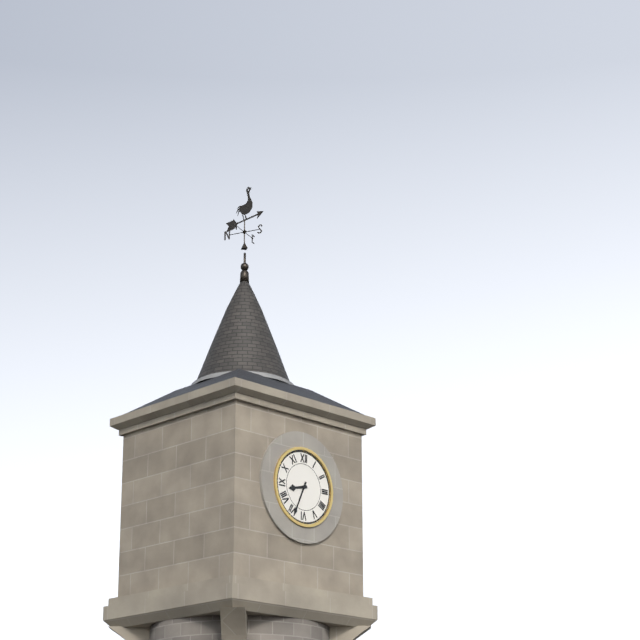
8:34
